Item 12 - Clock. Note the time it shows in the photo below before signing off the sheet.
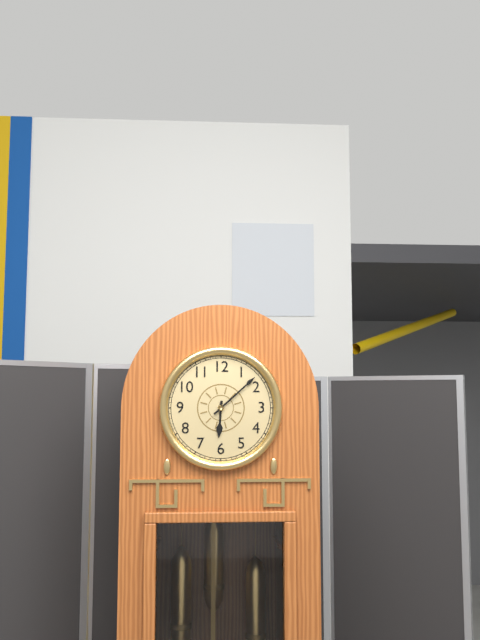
6:08
